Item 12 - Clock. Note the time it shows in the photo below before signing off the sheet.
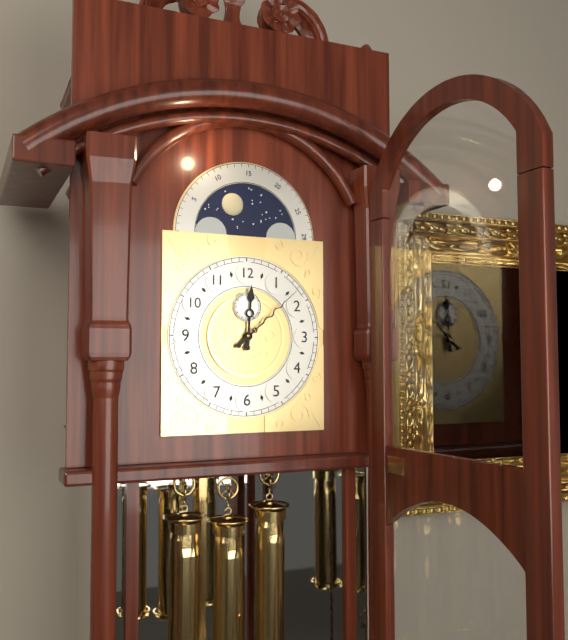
12:08
